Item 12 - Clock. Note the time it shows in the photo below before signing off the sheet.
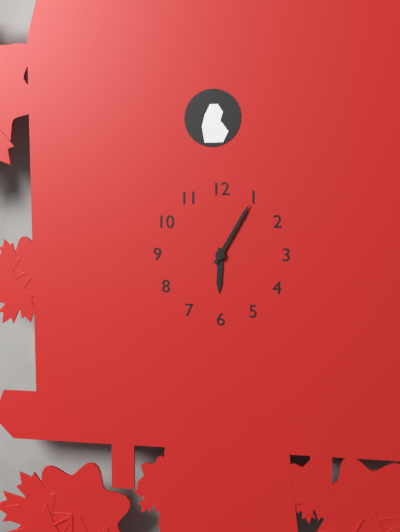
6:05
